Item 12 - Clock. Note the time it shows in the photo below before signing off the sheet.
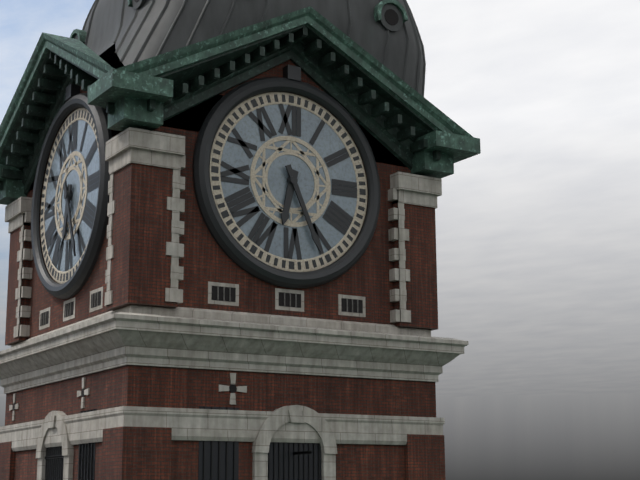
6:26
